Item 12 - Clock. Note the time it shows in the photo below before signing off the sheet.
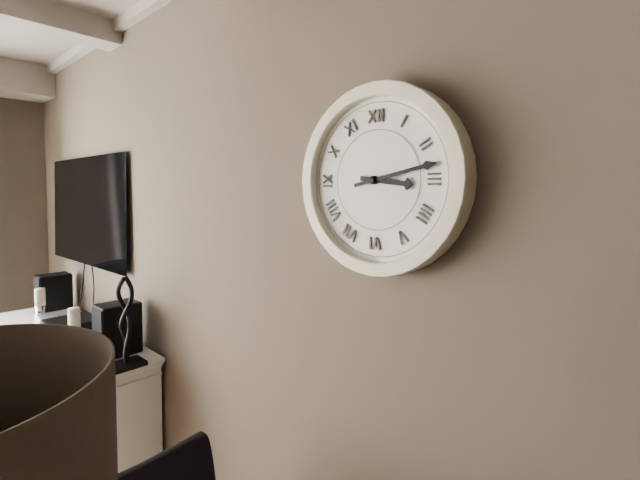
3:13
